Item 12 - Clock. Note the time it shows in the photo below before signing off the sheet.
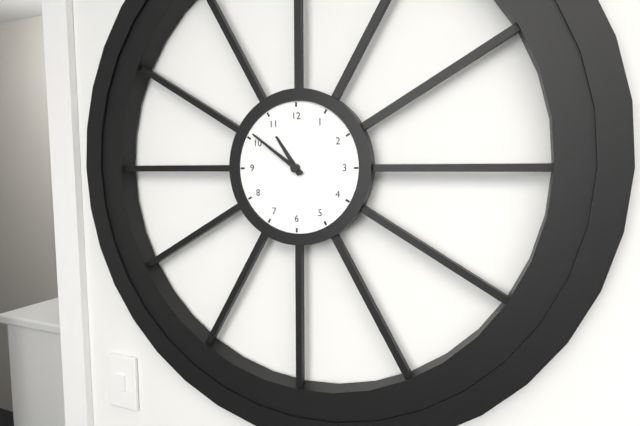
10:51
